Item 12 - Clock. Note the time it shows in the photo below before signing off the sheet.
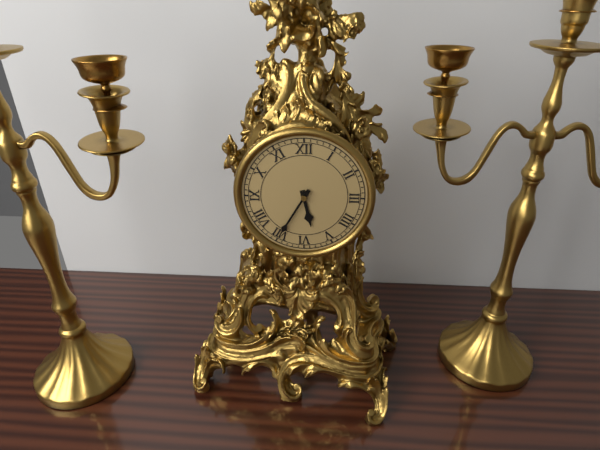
5:35
